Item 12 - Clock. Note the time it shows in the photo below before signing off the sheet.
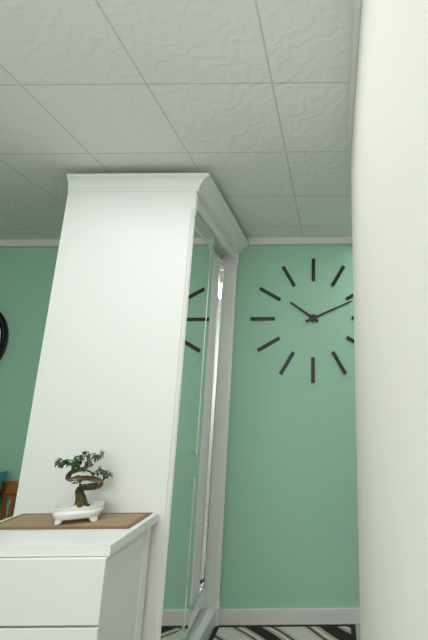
10:11
